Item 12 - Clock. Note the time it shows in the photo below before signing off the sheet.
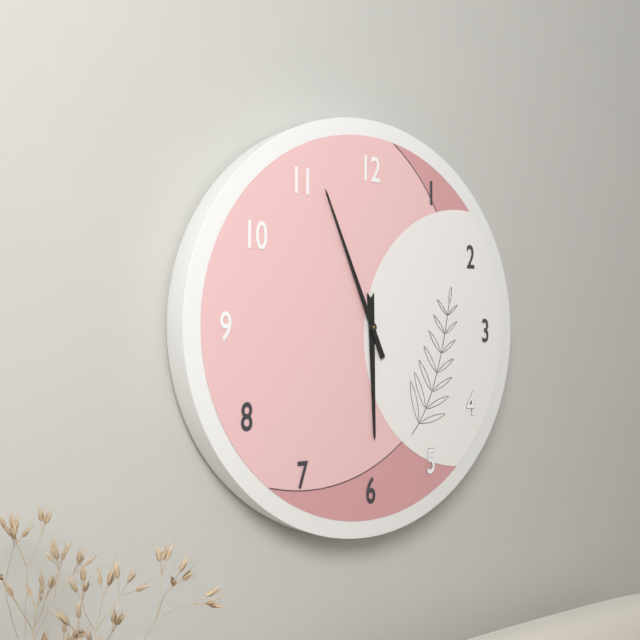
5:56
